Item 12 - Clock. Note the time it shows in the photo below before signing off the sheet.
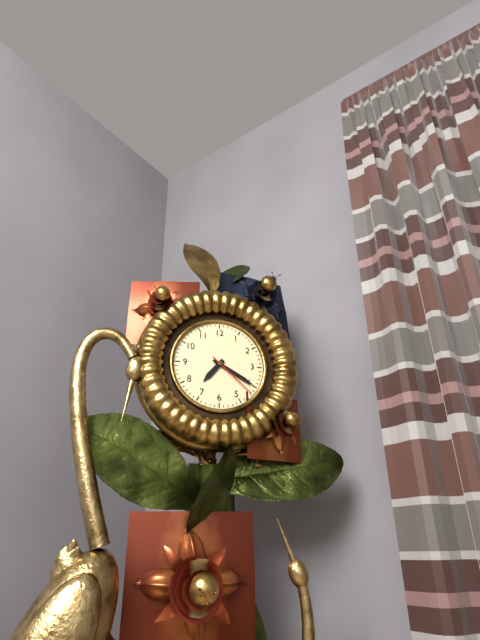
7:20:22
